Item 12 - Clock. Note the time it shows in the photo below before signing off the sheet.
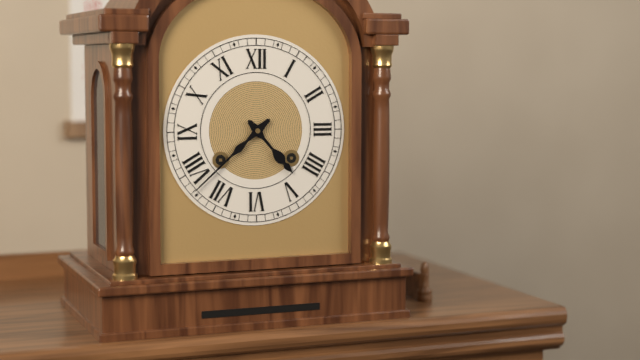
4:38
